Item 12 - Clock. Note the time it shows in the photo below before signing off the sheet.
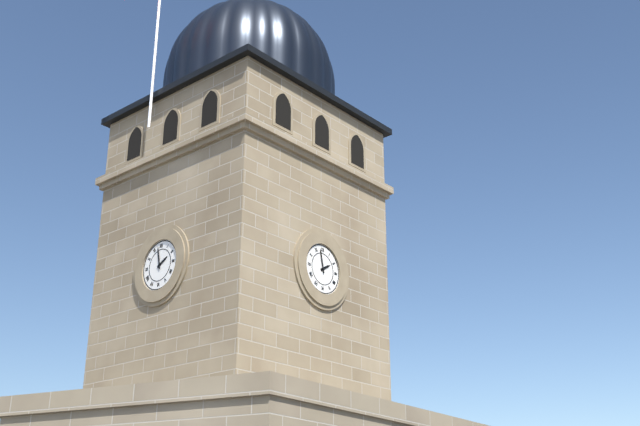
1:58
